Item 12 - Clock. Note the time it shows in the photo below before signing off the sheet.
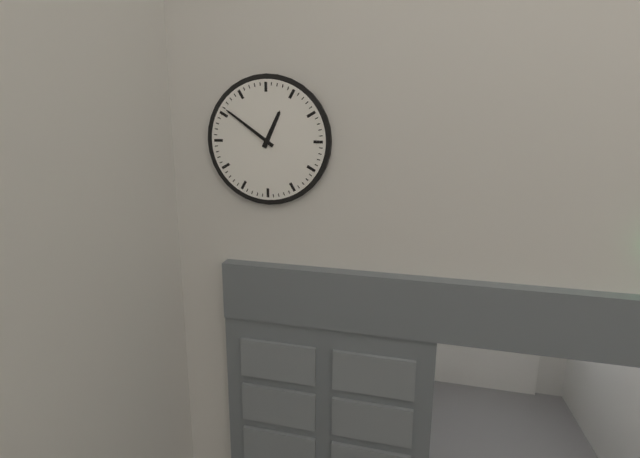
12:51
